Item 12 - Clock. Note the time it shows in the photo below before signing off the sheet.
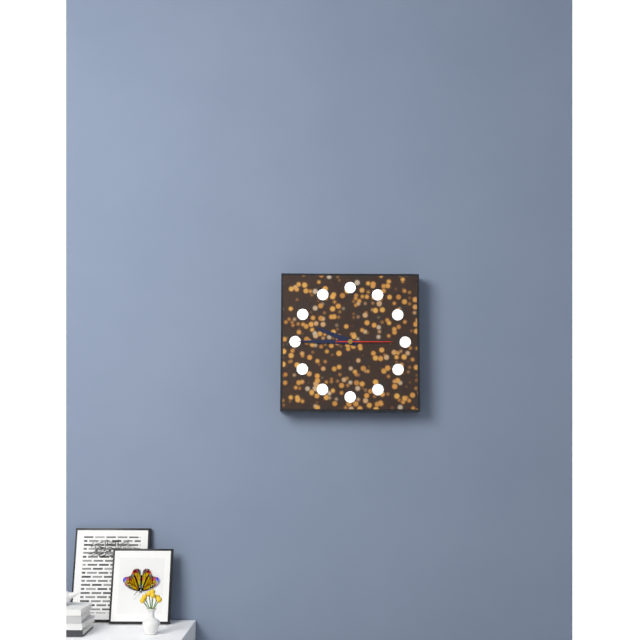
9:45:15
